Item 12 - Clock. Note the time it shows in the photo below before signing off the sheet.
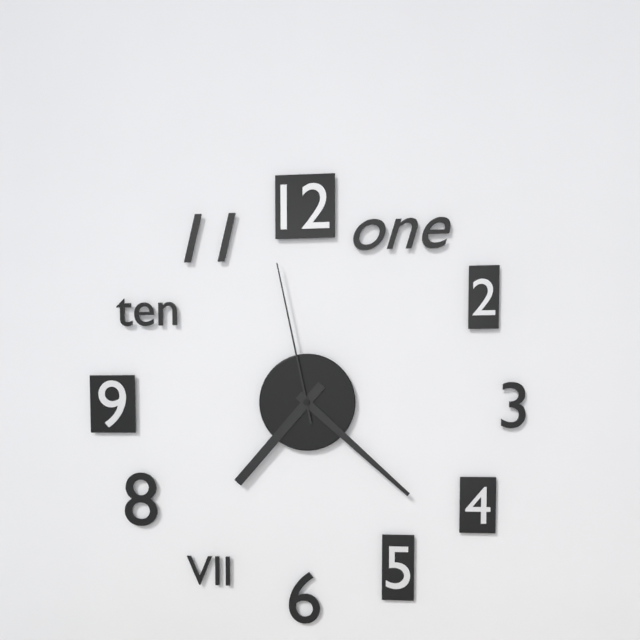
7:22:58
